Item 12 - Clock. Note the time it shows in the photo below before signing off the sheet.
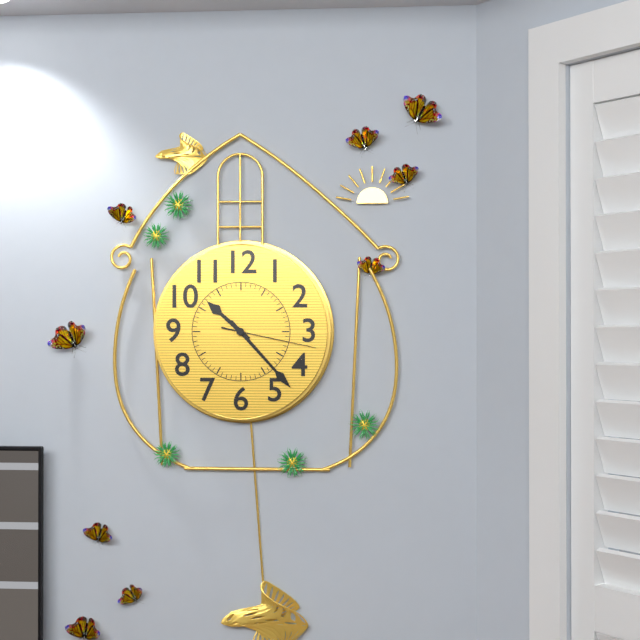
10:23:17
